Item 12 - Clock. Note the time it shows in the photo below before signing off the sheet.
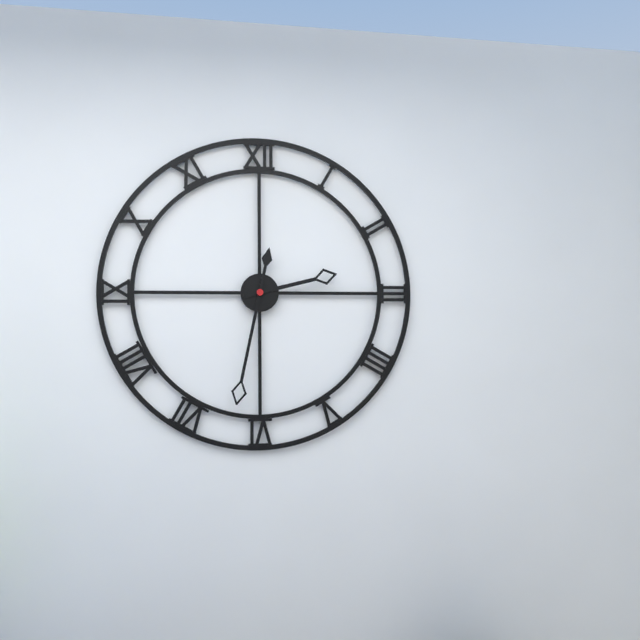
2:32
